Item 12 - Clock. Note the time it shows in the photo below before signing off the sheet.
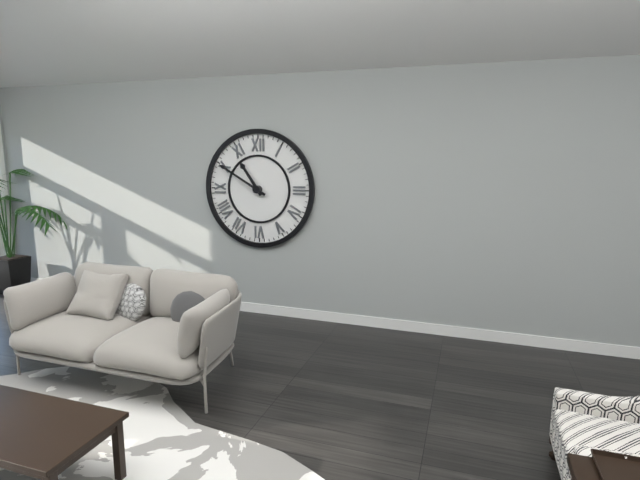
10:50
